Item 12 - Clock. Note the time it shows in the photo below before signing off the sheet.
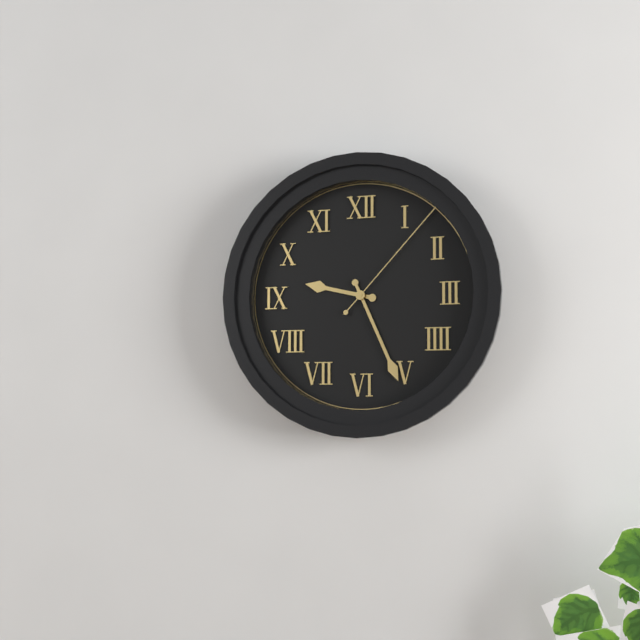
9:26:07
